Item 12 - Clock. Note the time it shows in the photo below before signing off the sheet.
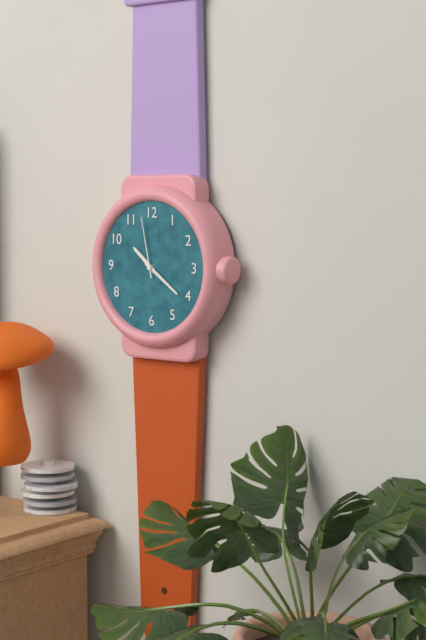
10:21:58
